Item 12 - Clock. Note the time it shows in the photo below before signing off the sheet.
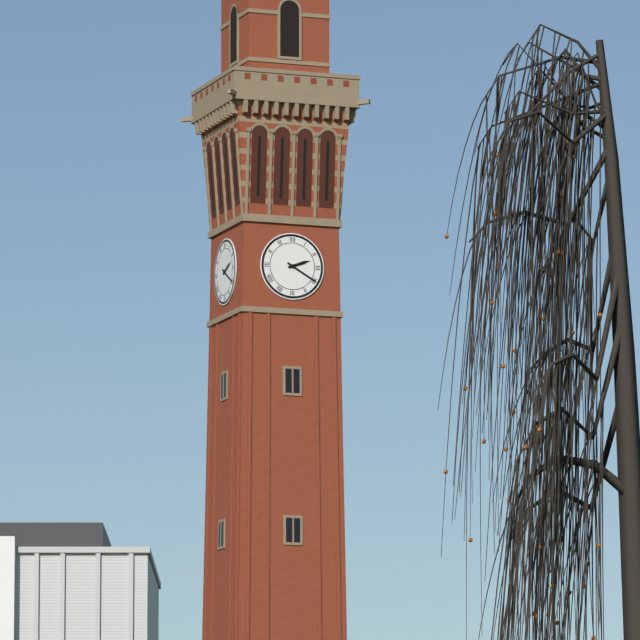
2:20
